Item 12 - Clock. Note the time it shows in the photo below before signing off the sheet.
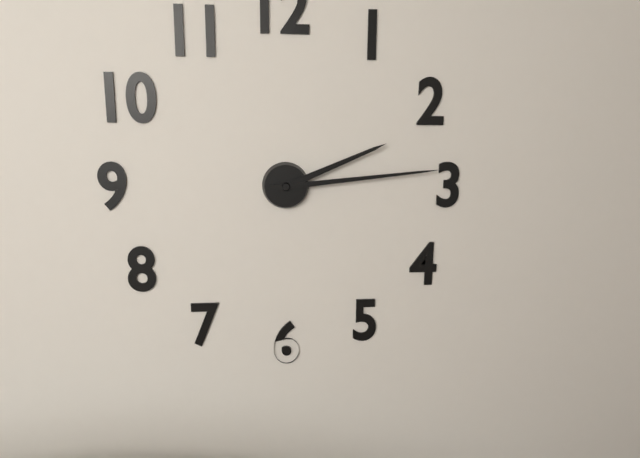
2:14
